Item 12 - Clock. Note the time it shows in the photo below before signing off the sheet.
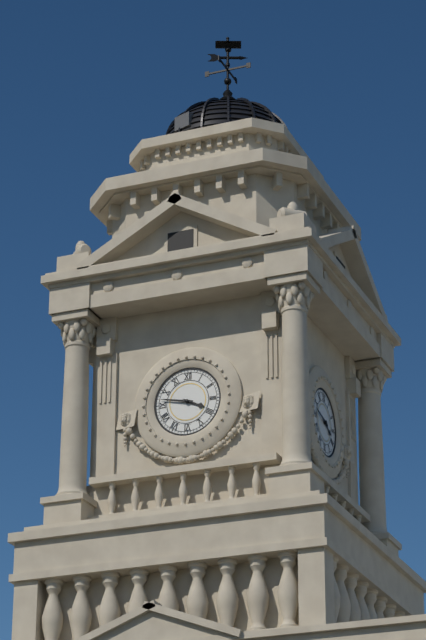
3:47
